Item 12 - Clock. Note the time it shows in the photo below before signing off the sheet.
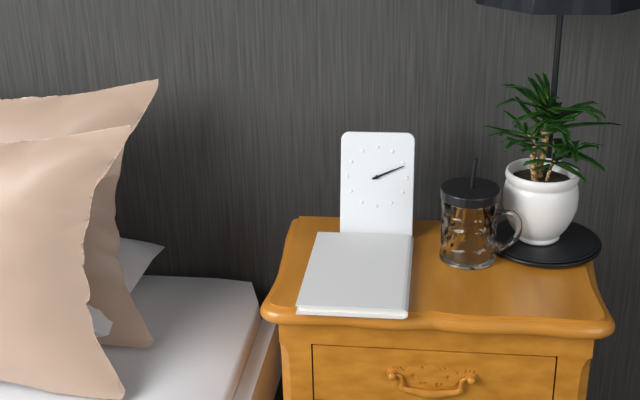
2:11
